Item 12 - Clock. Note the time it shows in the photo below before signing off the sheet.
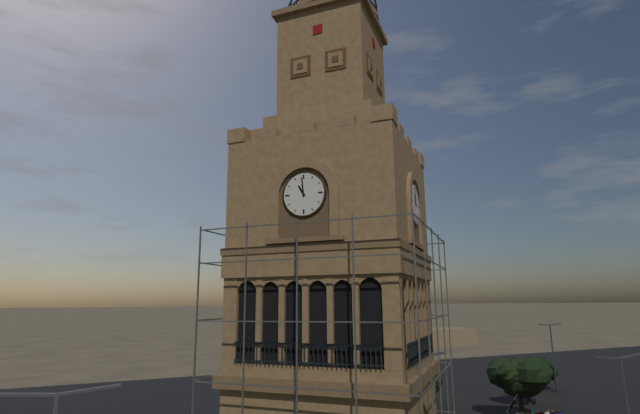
10:59
